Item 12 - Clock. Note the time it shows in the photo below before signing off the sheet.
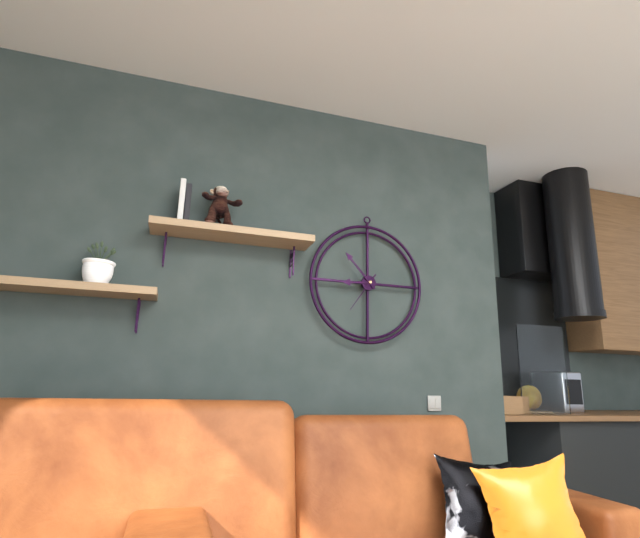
8:53
